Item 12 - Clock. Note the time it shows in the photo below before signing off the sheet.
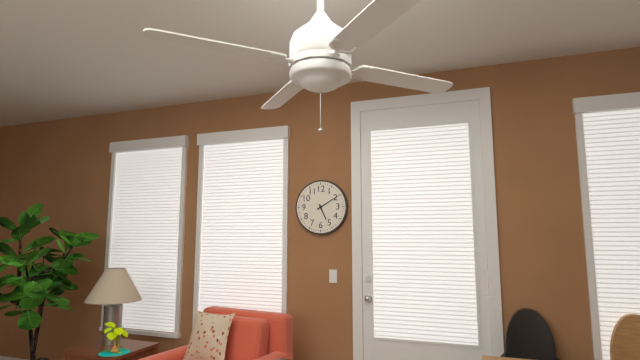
5:10
